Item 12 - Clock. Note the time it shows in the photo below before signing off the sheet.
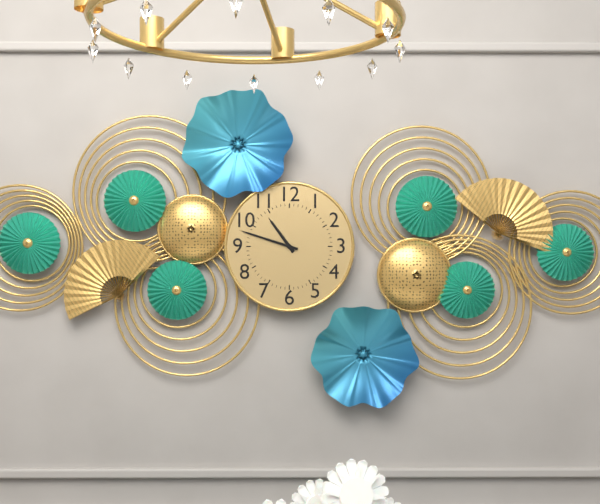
10:48
